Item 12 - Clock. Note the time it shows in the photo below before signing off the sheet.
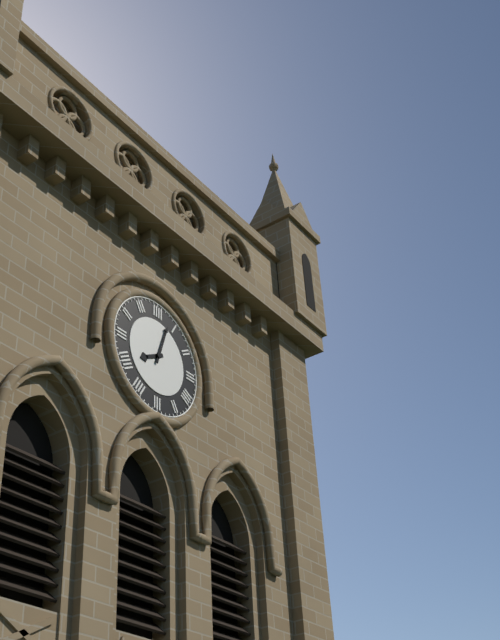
8:03
